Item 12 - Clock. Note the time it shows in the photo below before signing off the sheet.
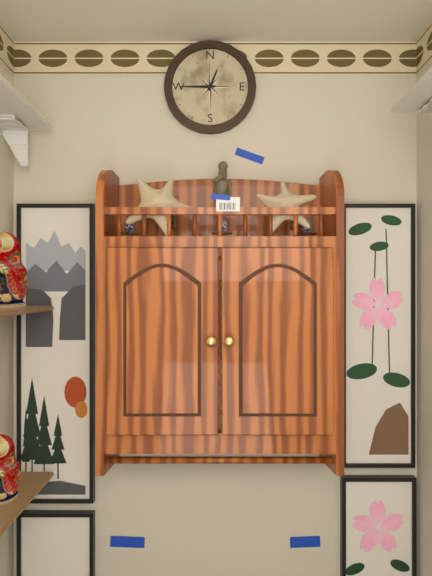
12:45
